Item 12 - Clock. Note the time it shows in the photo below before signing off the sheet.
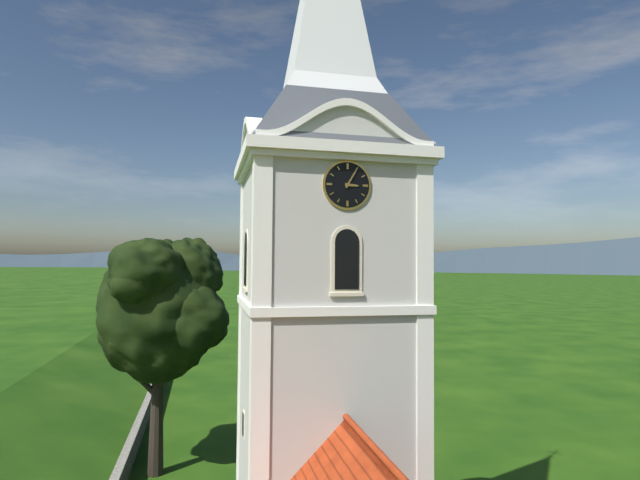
3:05
